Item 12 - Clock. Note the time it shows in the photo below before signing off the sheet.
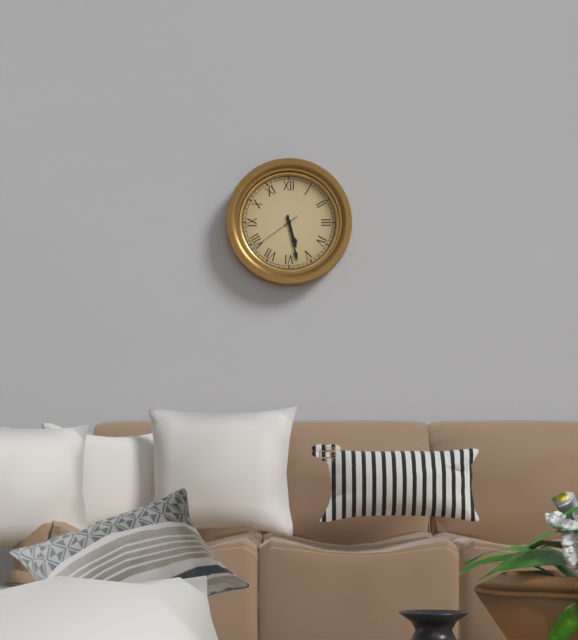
5:28:39
